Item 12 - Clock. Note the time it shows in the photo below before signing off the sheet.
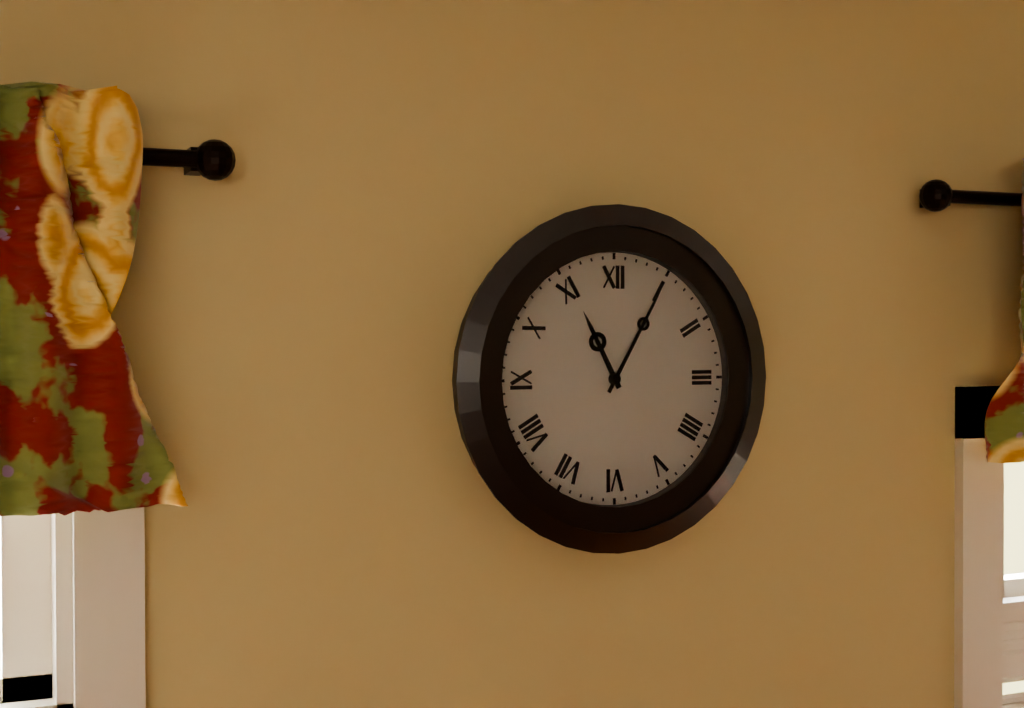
11:05
